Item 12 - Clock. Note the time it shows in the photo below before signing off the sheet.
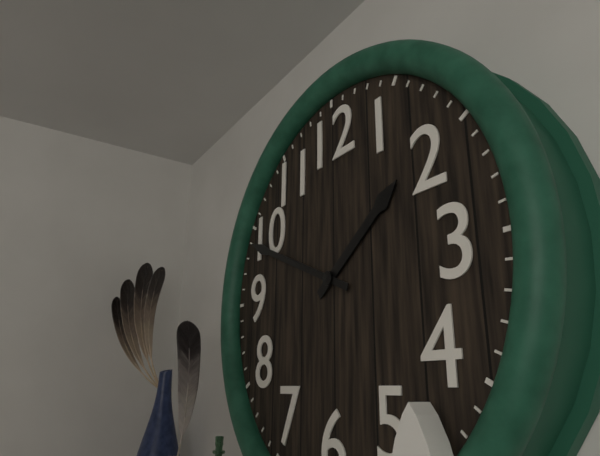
1:49
